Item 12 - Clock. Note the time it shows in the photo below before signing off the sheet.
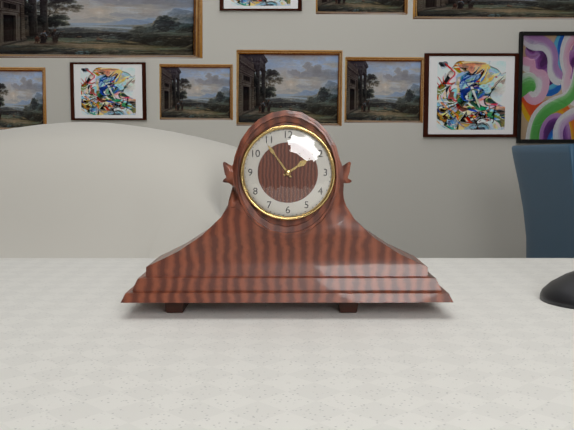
1:54
